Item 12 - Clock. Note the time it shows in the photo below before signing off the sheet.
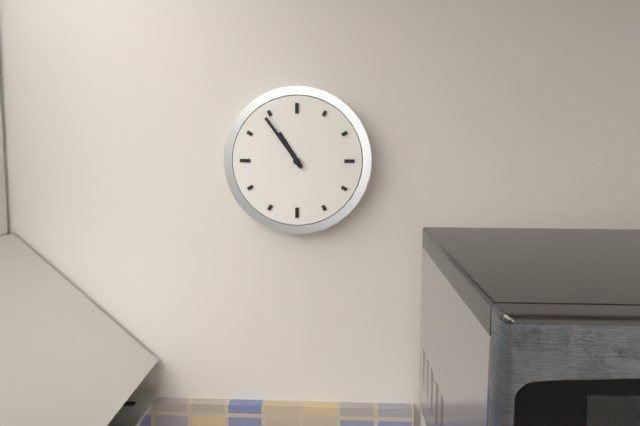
10:54
